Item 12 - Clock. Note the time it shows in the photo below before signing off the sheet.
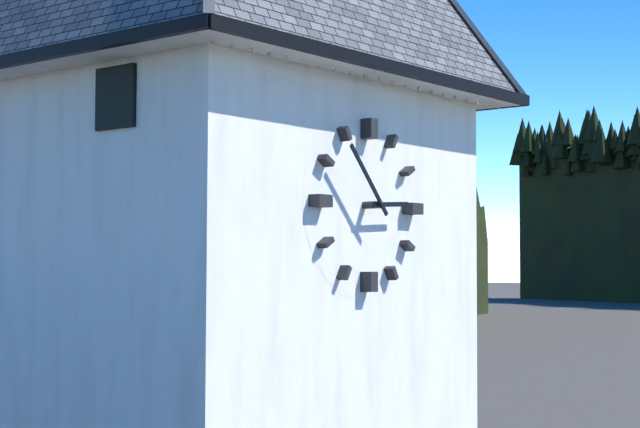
2:53
